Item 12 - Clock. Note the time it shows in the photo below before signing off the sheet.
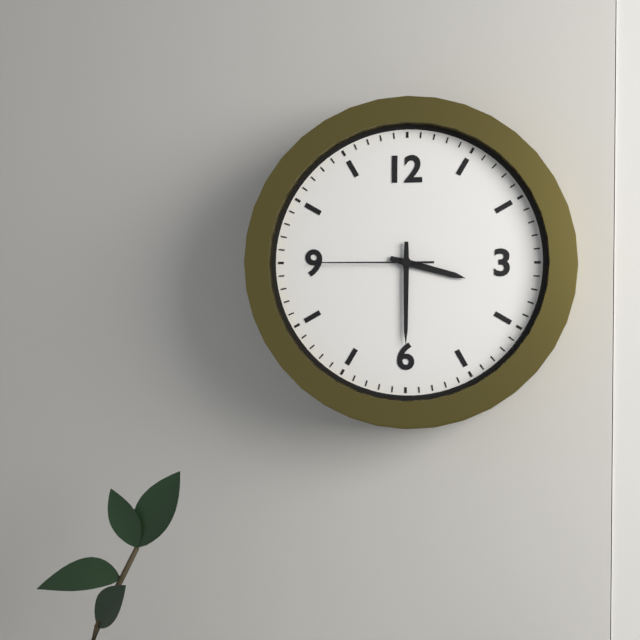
3:30:45
